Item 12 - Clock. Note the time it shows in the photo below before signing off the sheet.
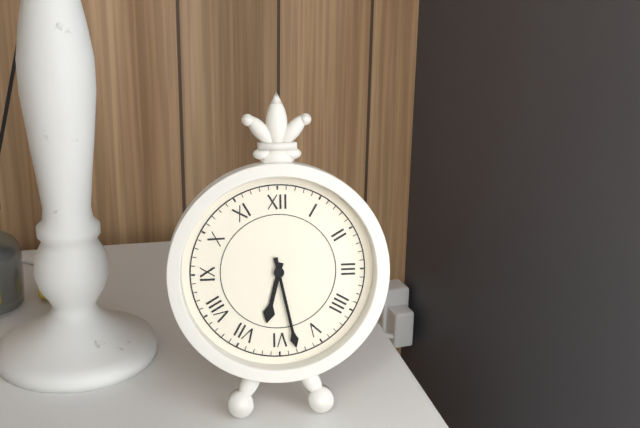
6:28
